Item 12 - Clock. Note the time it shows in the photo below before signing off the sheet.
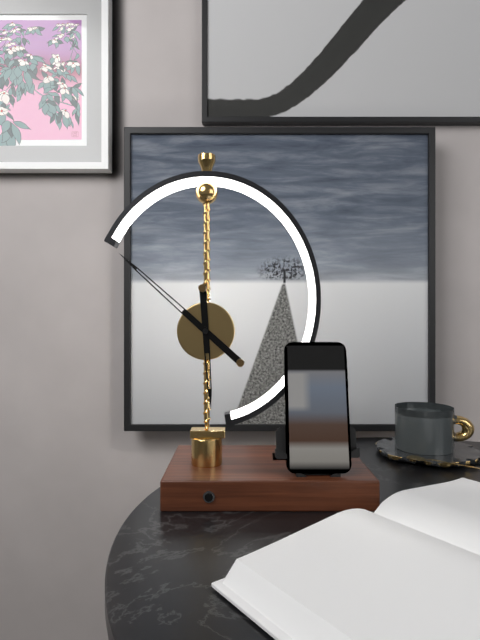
5:52
